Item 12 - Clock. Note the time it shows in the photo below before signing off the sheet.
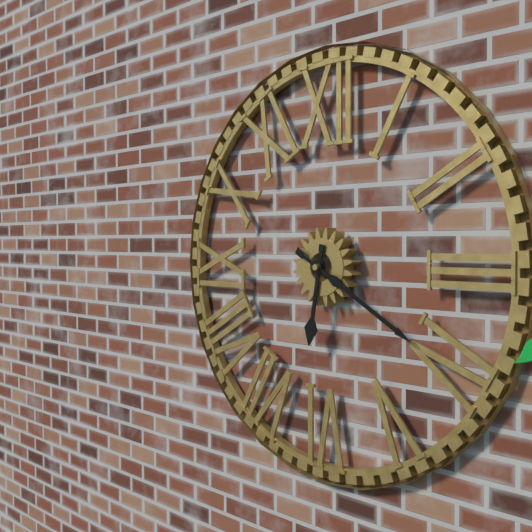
6:20
